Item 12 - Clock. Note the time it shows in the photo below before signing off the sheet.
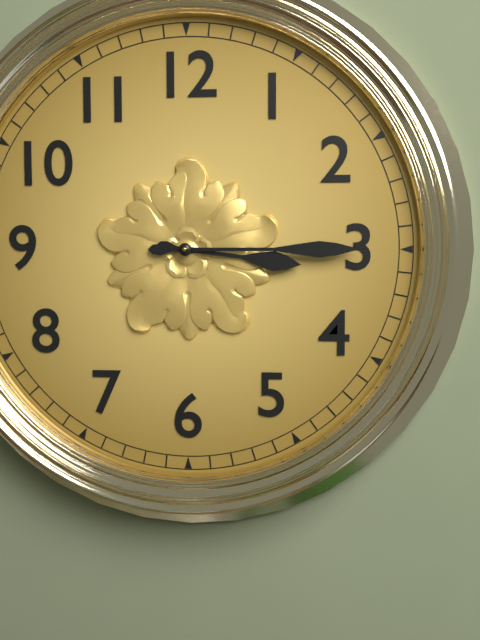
3:15
